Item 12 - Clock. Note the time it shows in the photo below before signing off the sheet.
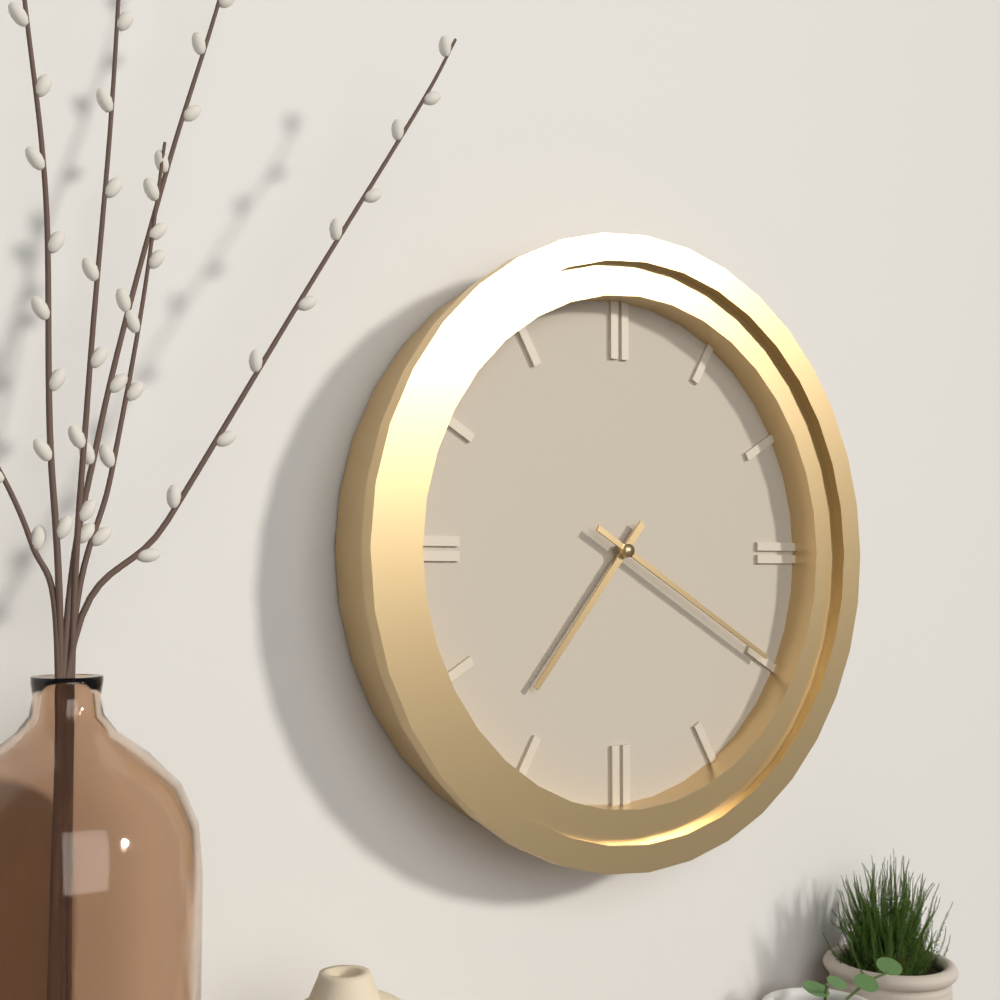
7:20
